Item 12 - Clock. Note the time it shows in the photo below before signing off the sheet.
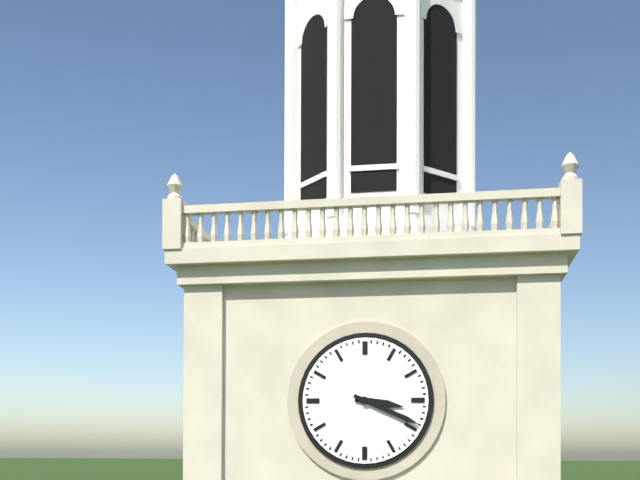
3:19
